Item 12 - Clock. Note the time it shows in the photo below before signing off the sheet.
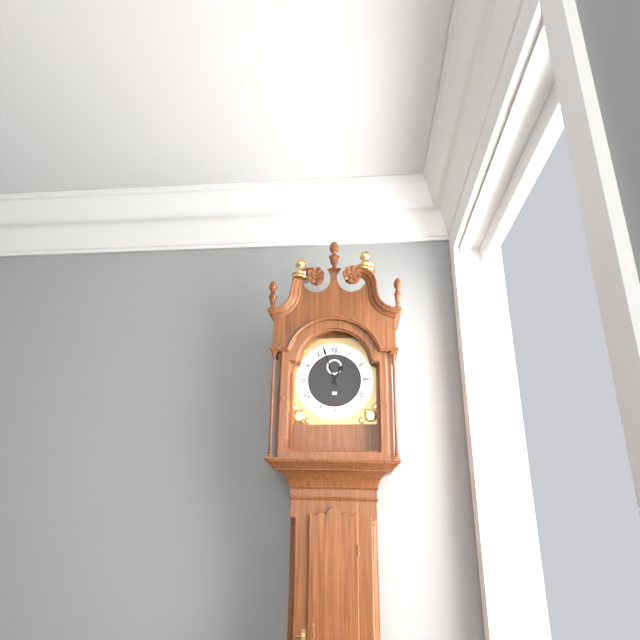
12:57
